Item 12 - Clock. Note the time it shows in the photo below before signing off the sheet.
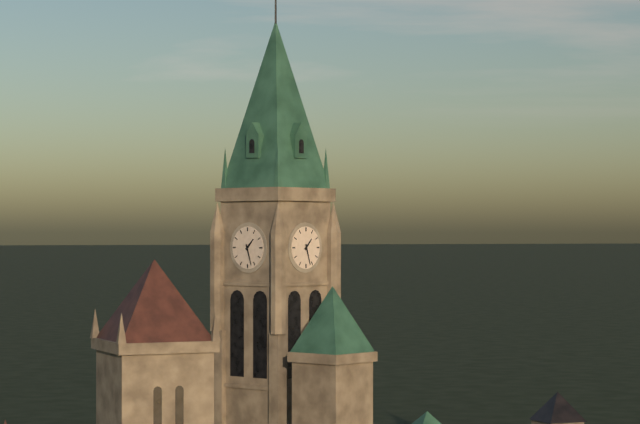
1:27
